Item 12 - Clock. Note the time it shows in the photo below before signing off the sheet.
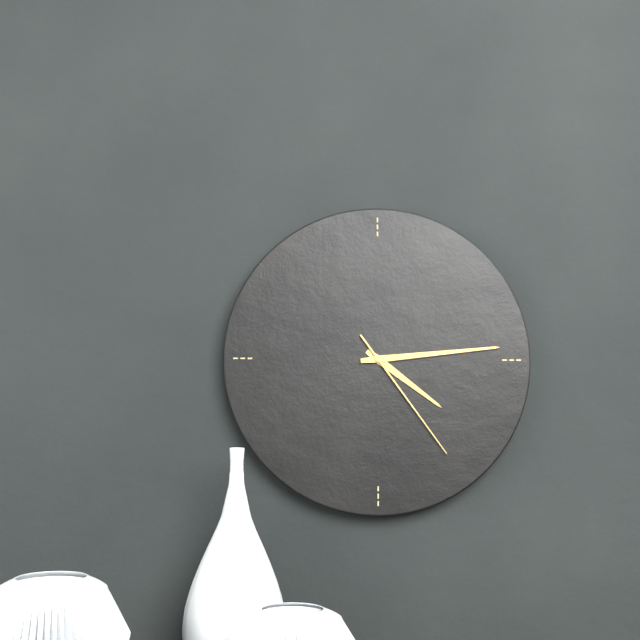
4:14:24
